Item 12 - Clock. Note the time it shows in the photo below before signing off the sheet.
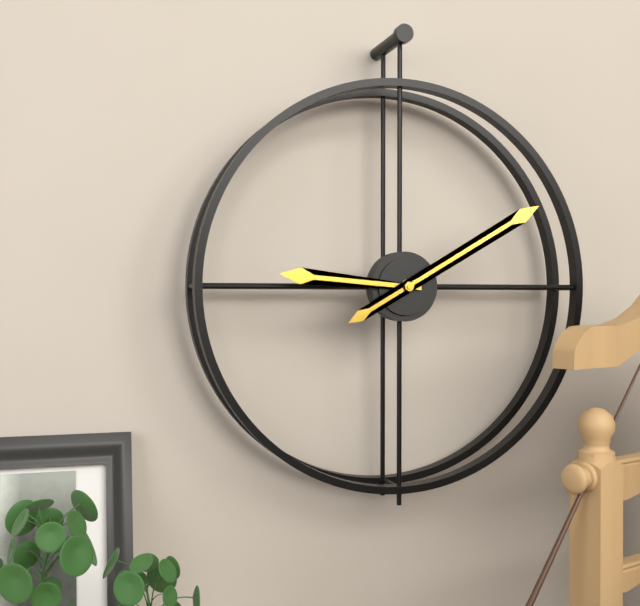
9:10
